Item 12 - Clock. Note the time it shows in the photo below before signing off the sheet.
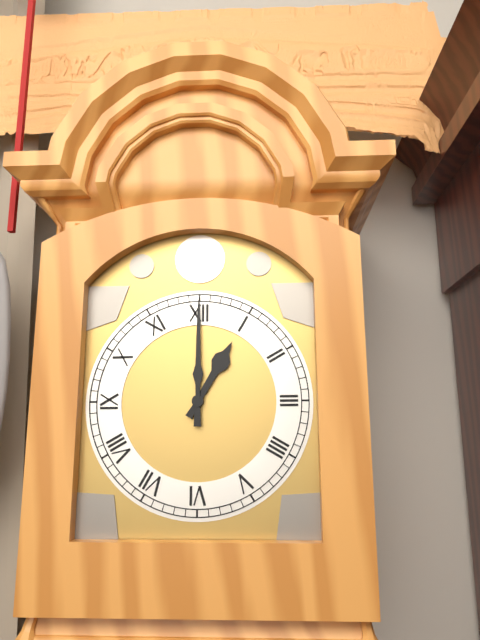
1:00
